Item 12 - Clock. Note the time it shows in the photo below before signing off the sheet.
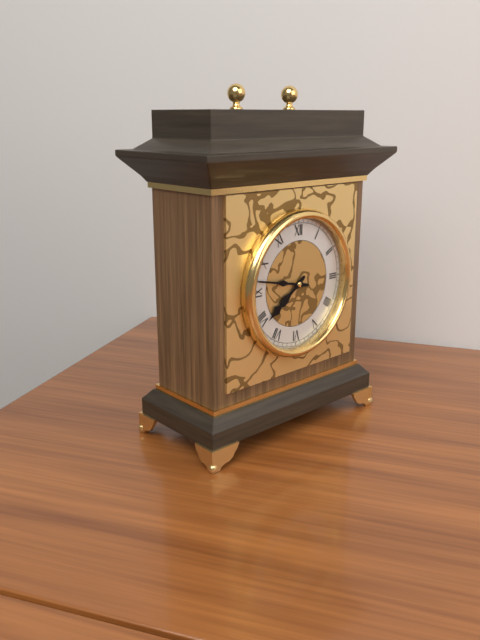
7:47
